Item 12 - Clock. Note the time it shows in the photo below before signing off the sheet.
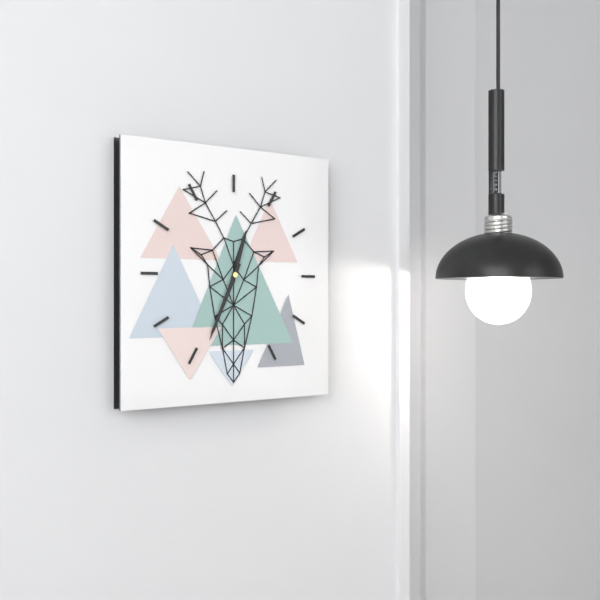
12:34
